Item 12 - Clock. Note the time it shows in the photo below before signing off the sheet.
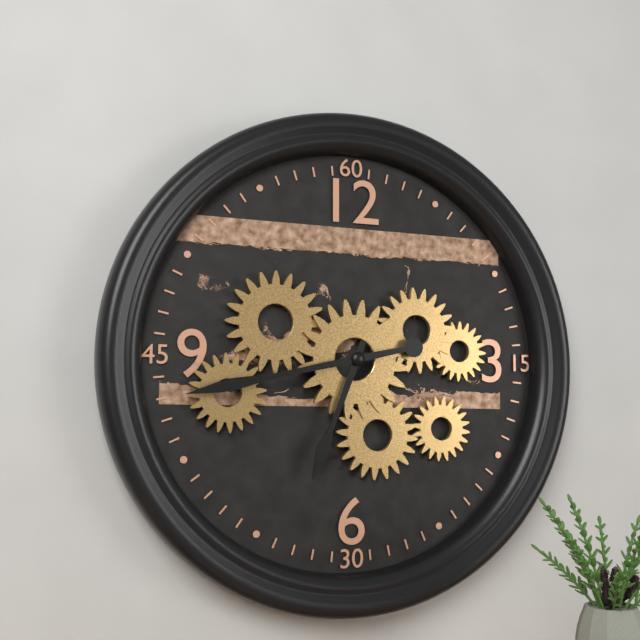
6:43
